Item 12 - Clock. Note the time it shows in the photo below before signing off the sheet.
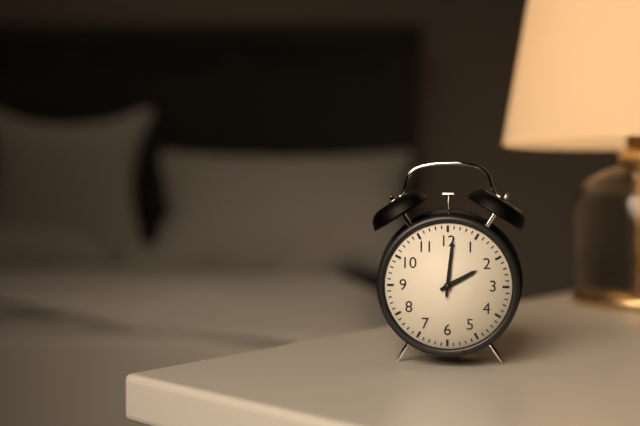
2:01
